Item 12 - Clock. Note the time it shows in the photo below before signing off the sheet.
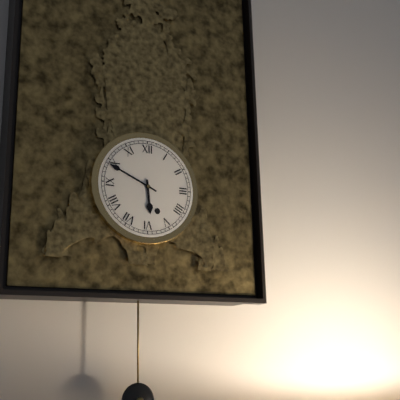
5:49
